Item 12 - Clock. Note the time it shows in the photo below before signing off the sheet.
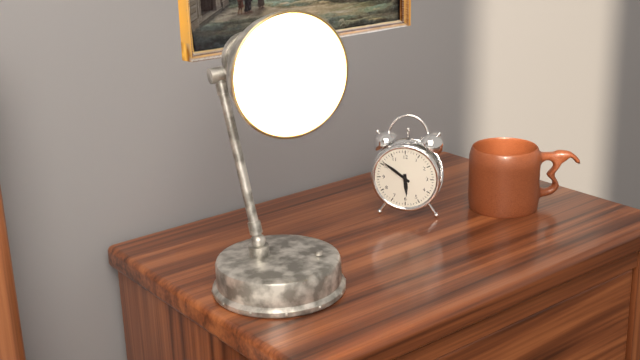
5:51
